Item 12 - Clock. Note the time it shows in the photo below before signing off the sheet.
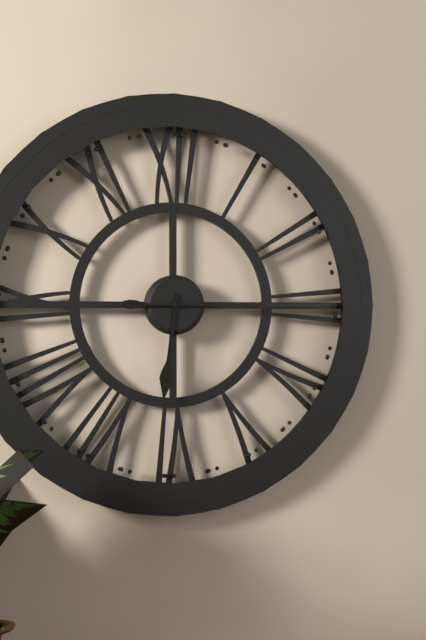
6:15
